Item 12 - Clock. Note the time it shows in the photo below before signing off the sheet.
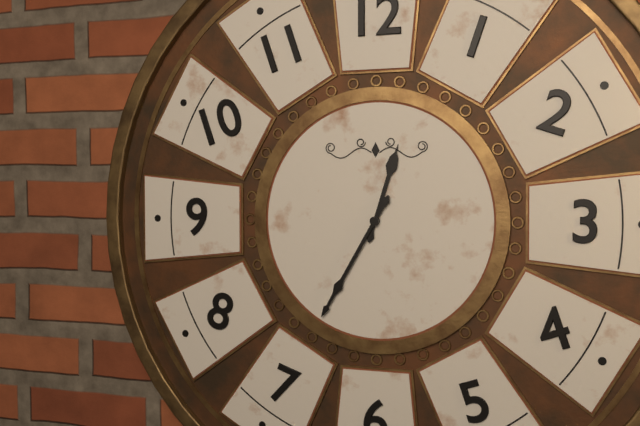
12:35
